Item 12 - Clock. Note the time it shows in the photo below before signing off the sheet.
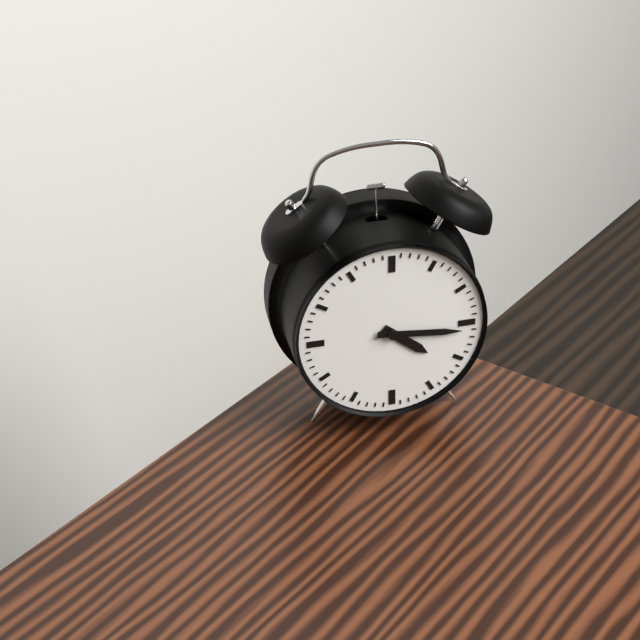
4:16
